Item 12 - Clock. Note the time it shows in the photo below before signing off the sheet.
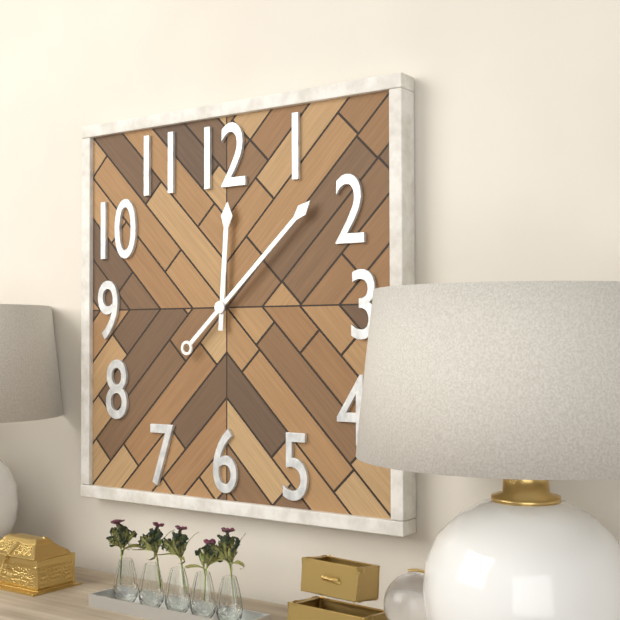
12:08
